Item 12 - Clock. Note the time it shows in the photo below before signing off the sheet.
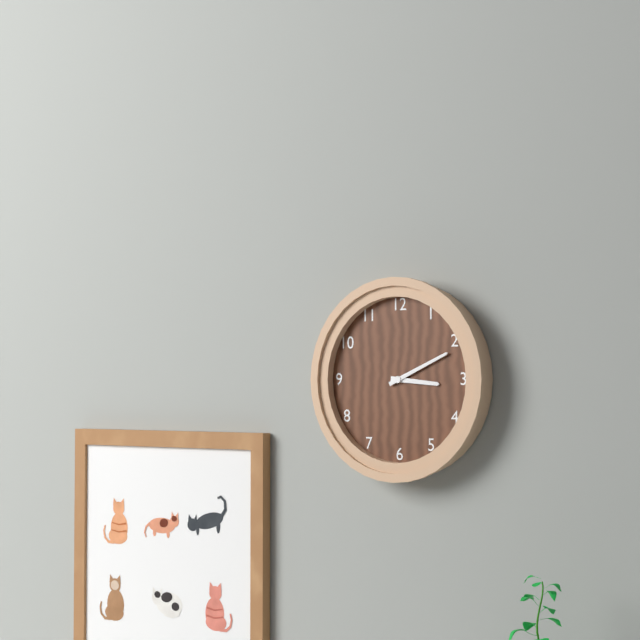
3:11
